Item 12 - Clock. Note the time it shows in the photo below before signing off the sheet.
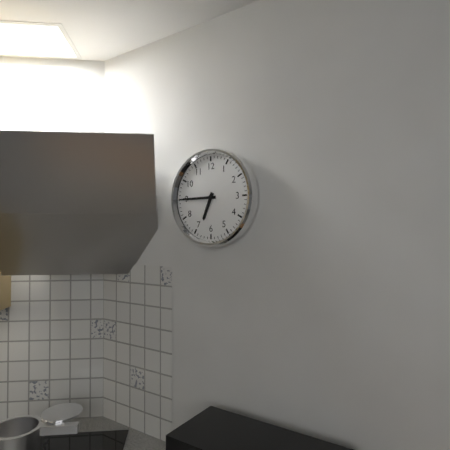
6:45
